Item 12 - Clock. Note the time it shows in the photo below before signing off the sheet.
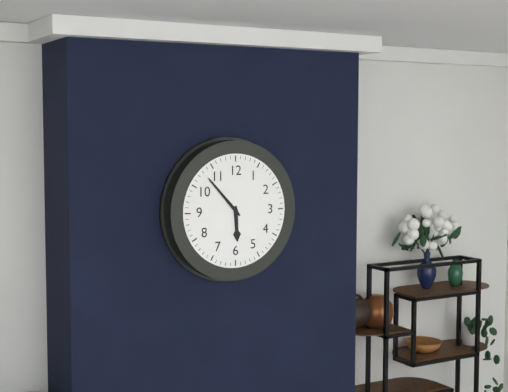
5:53
